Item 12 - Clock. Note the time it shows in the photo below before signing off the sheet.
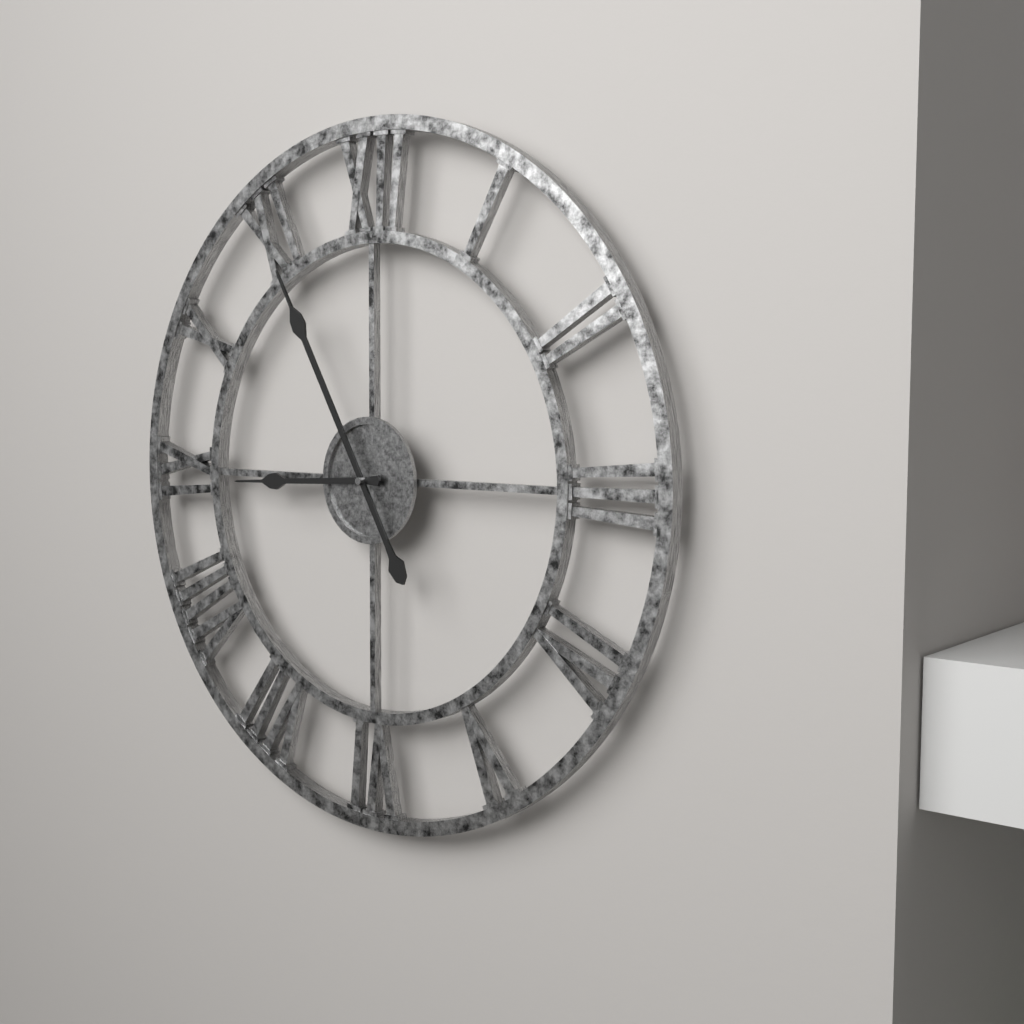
8:55
